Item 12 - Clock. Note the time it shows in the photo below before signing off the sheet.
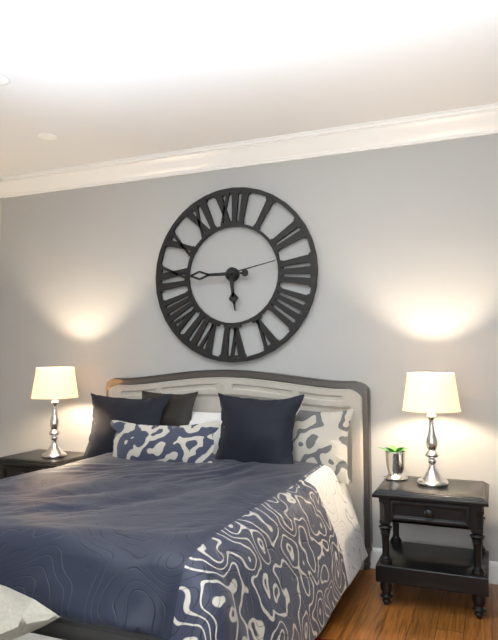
5:45:13
